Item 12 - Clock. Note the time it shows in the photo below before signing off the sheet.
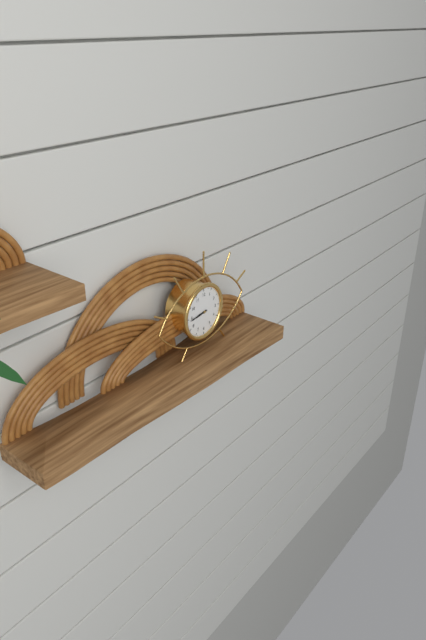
8:44
